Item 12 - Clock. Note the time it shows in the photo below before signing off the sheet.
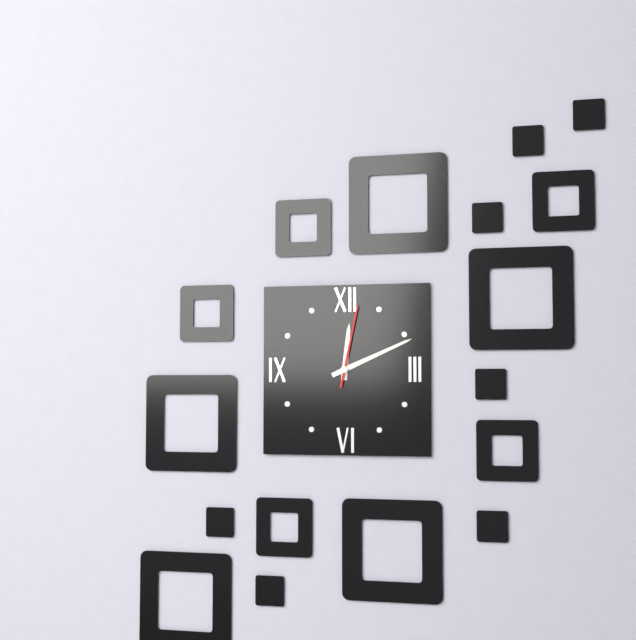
12:11:02
